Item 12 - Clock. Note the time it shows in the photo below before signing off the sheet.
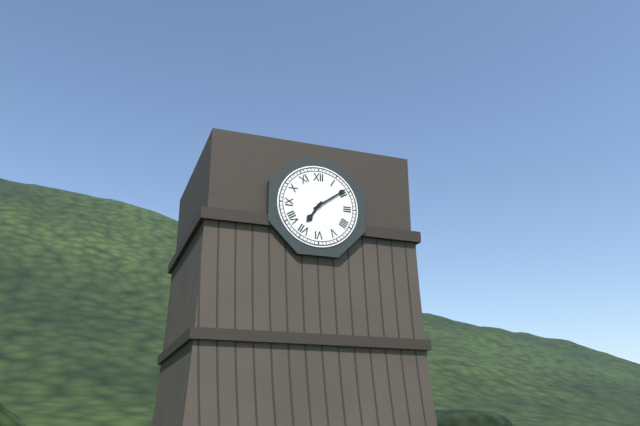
7:09
